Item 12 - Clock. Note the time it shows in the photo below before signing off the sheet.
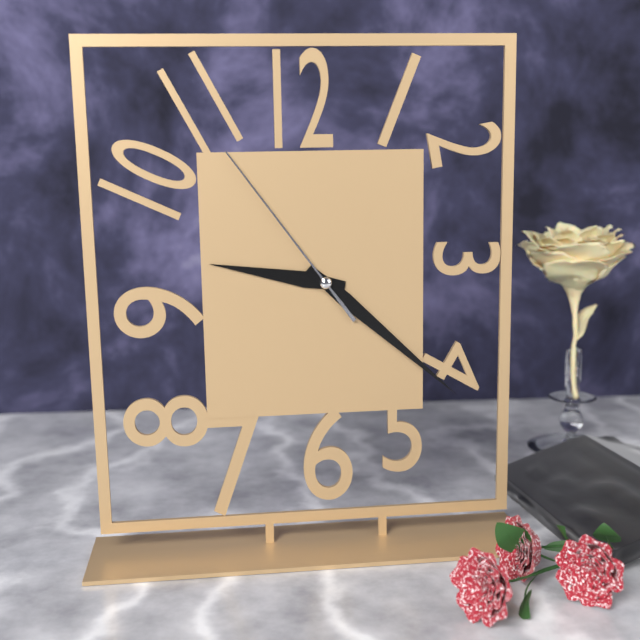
9:22:54
